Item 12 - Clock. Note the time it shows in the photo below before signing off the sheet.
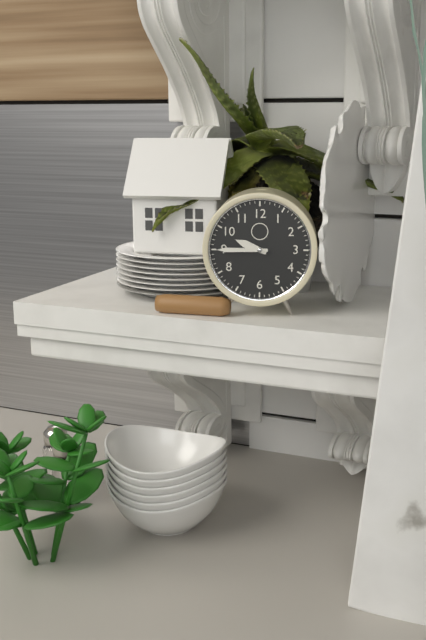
9:45
